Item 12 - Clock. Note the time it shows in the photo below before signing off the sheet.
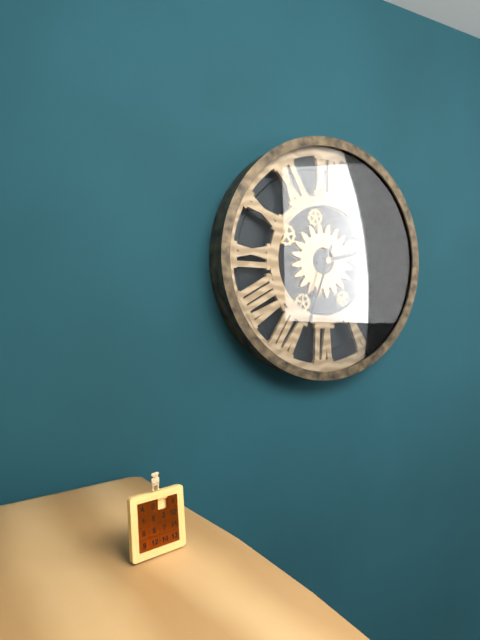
2:33
